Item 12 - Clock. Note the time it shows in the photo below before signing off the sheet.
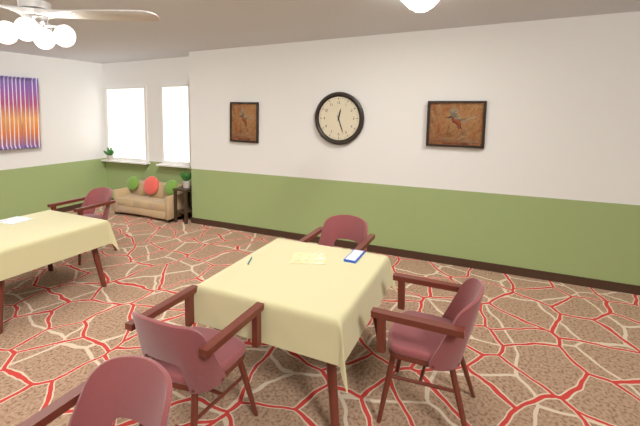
12:27
